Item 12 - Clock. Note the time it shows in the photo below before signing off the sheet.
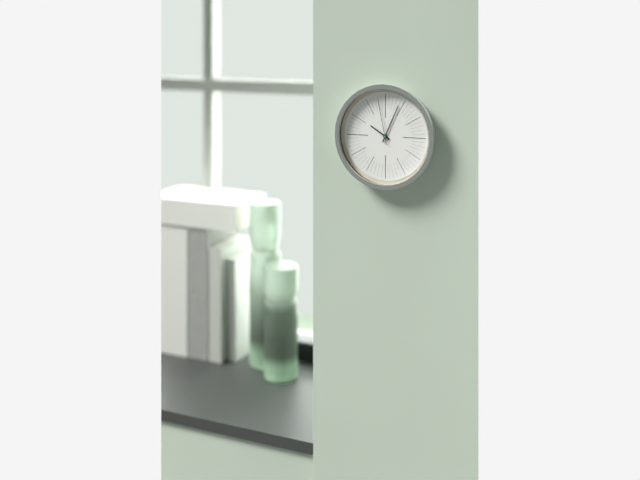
10:04
